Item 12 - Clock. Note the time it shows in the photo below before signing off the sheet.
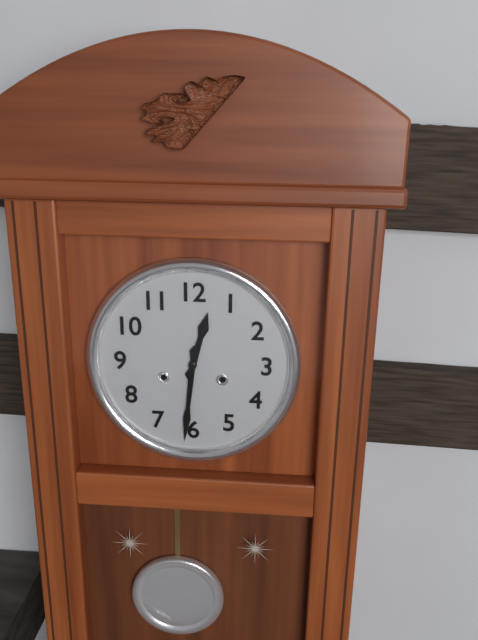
12:31
